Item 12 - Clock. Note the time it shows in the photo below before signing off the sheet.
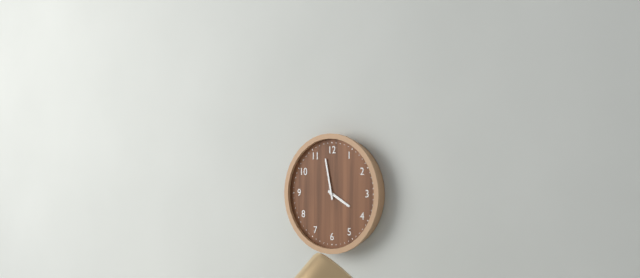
3:58
